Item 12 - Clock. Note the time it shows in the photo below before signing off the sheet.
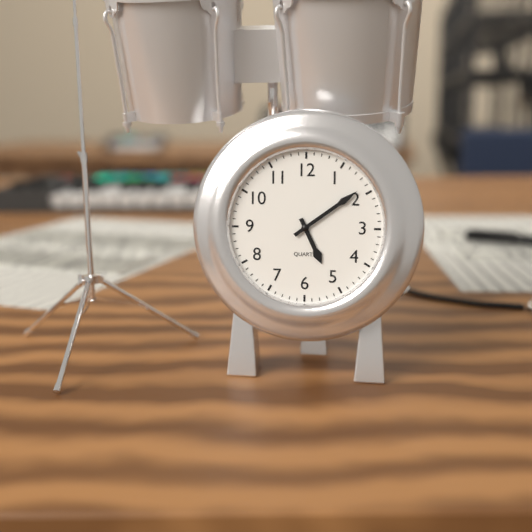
5:09
